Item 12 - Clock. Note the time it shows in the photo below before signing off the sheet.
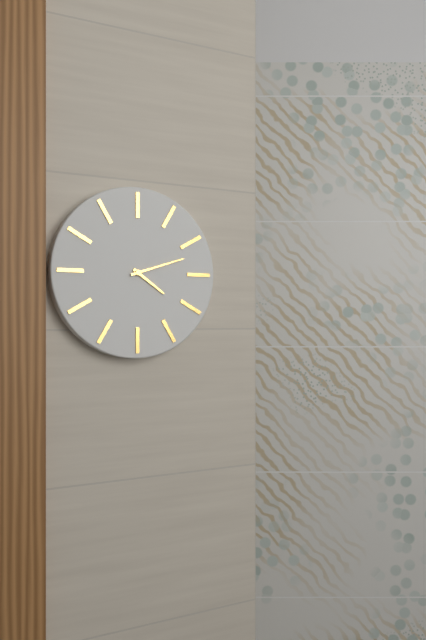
4:12
